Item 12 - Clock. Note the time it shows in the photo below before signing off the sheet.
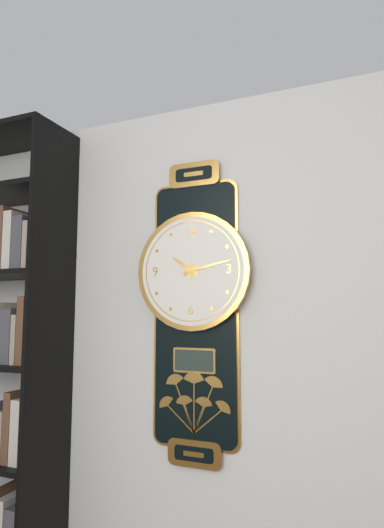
10:13
